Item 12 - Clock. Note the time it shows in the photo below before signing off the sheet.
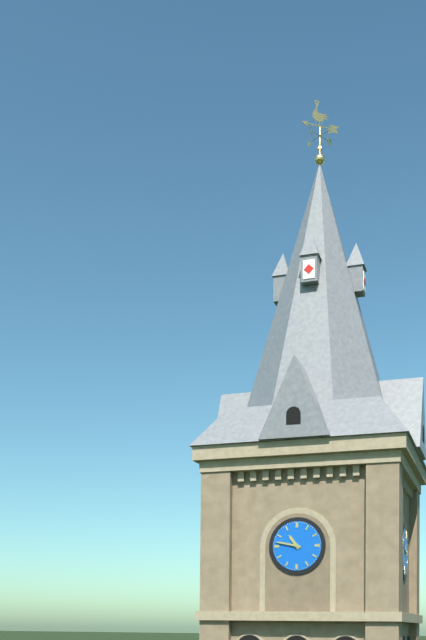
10:47
